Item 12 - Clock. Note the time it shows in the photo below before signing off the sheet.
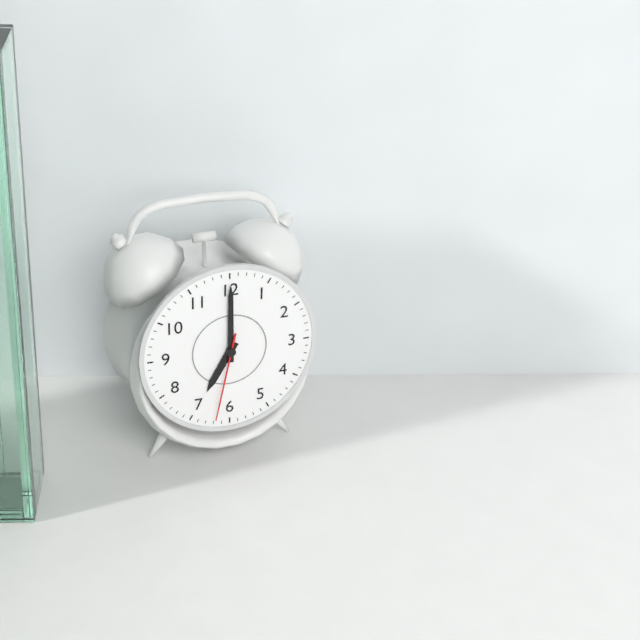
7:00:32
